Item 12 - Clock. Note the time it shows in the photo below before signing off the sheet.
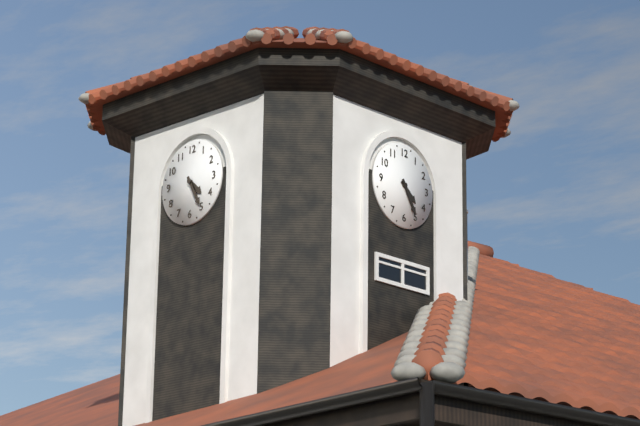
4:25
